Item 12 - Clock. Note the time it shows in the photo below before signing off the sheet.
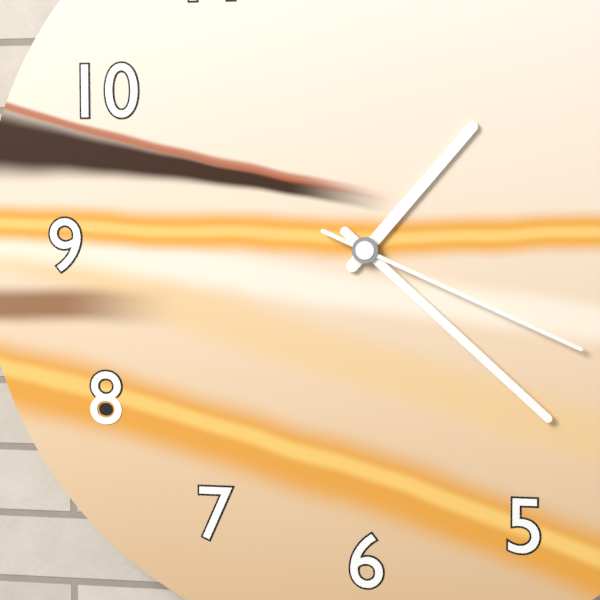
1:22:19
